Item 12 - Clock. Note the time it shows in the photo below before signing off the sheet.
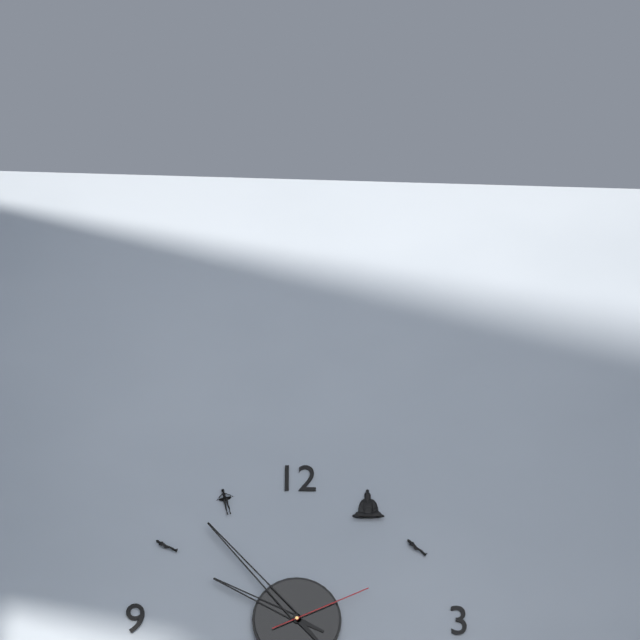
9:53:11
